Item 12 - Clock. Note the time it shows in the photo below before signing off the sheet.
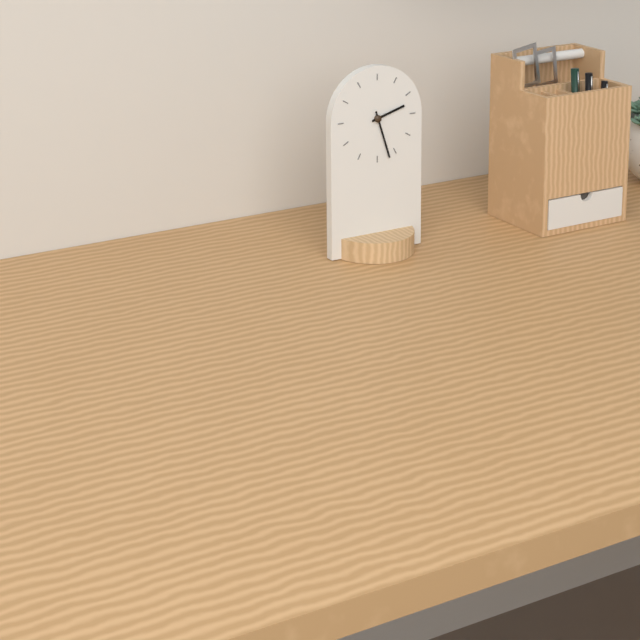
2:27
